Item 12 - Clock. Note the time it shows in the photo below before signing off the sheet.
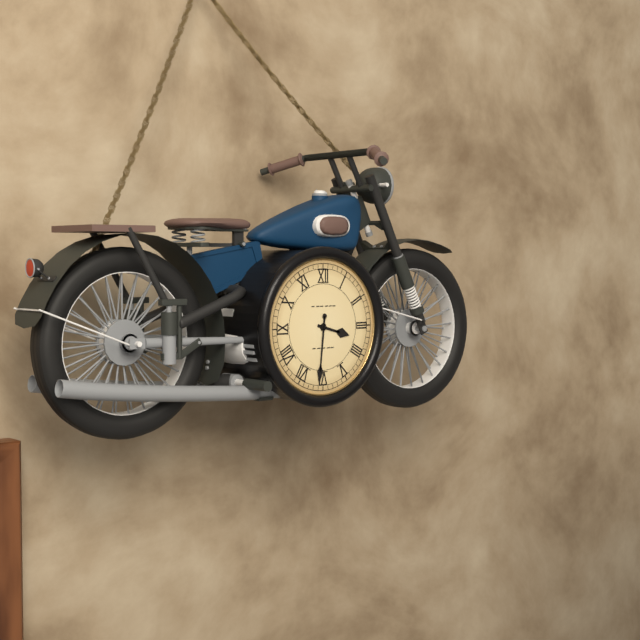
3:31
